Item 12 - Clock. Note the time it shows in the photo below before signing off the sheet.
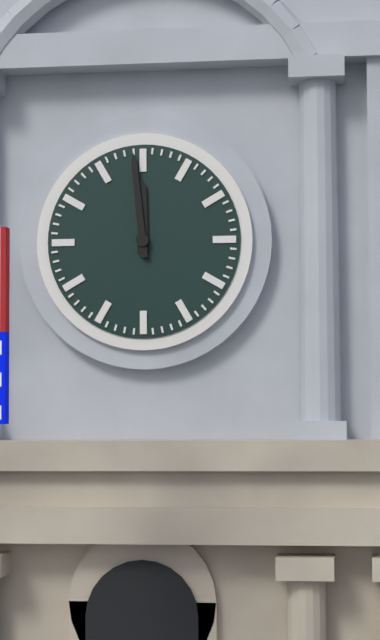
11:59
